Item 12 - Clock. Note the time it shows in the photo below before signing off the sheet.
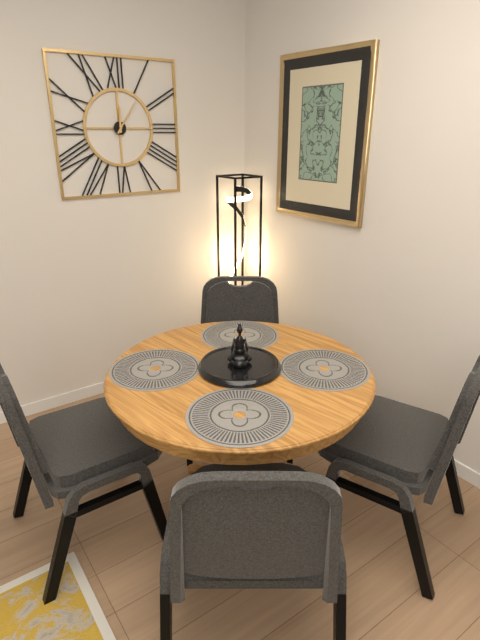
12:06
